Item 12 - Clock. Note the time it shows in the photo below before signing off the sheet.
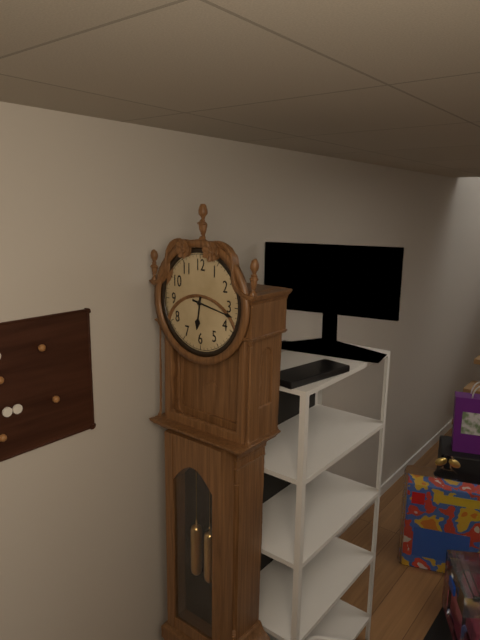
6:17
